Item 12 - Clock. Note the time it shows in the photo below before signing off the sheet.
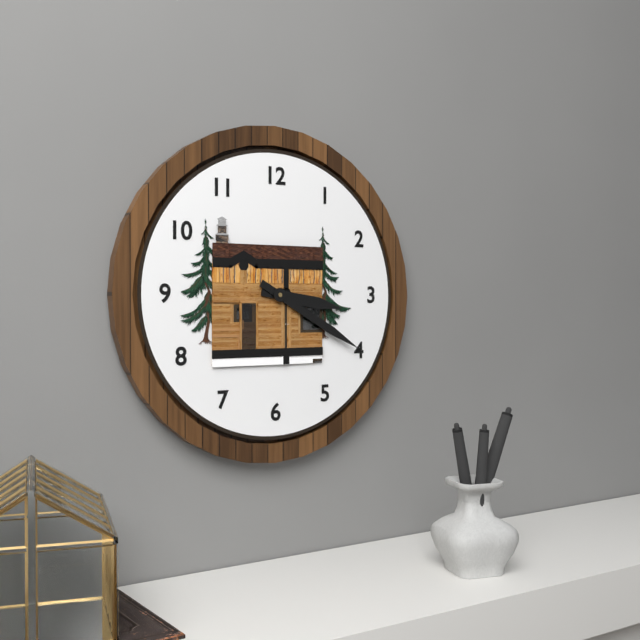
3:20
